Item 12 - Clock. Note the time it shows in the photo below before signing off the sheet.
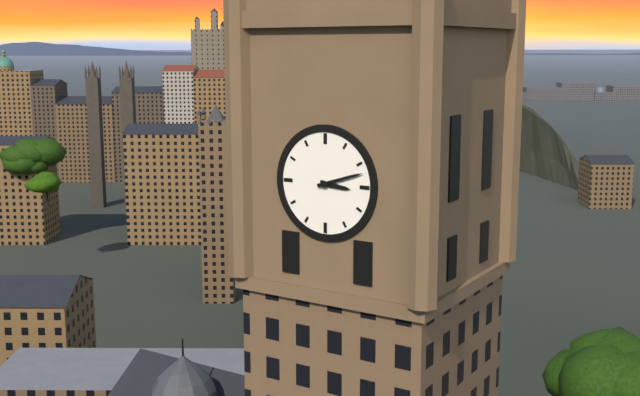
3:12
